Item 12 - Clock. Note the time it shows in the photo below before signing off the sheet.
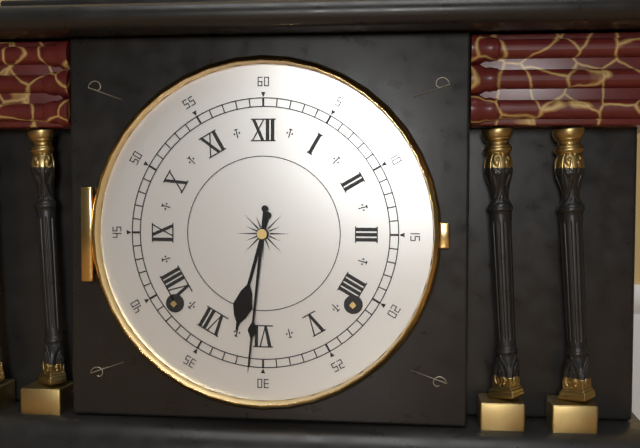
6:31
